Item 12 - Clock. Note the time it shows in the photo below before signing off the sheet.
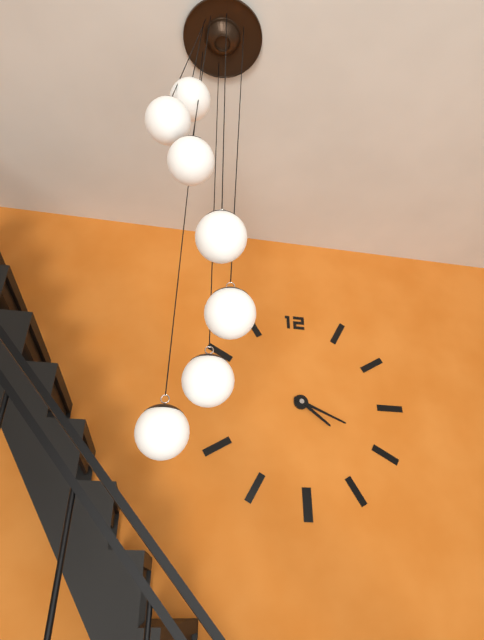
4:19
